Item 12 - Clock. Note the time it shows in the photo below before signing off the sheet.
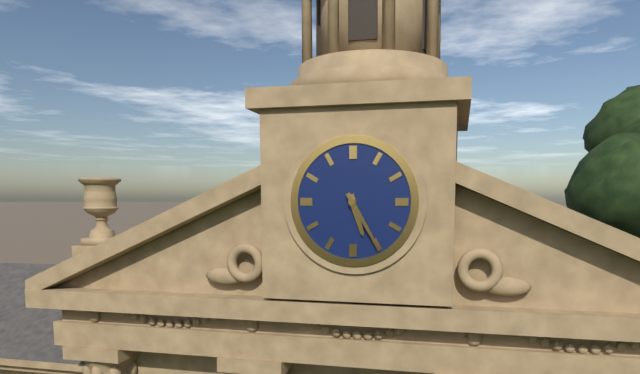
5:25
